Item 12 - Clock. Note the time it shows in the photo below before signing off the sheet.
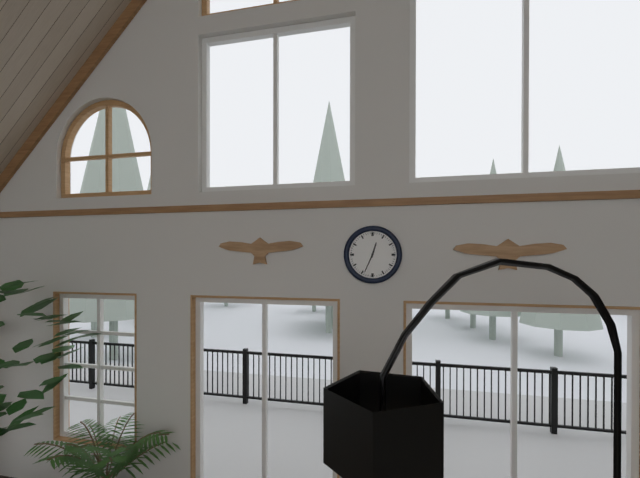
12:34
